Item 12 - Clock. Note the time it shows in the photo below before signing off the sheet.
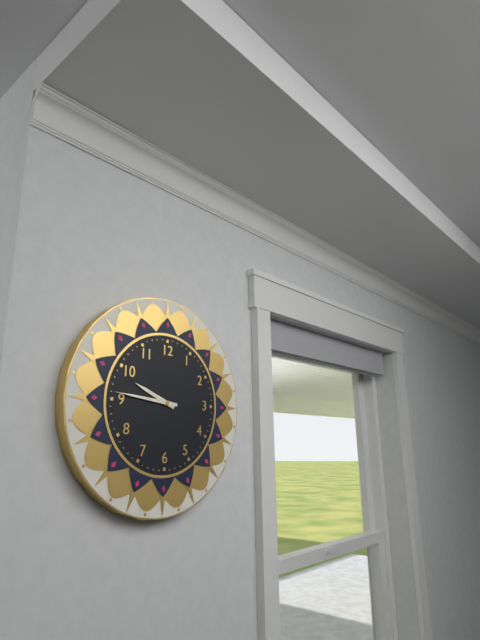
9:46
